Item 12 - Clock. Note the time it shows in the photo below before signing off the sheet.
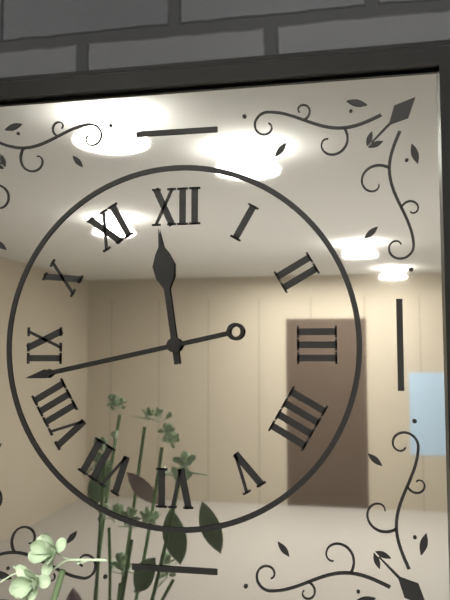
11:43
